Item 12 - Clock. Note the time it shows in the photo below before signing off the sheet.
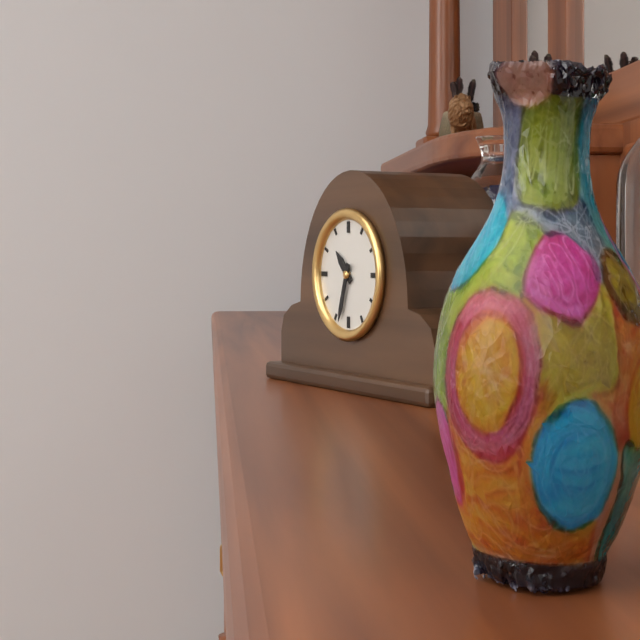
10:33
